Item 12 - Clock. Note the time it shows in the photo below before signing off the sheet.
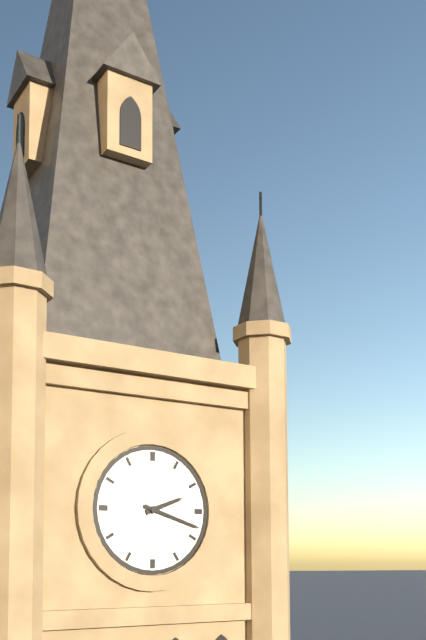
2:18
